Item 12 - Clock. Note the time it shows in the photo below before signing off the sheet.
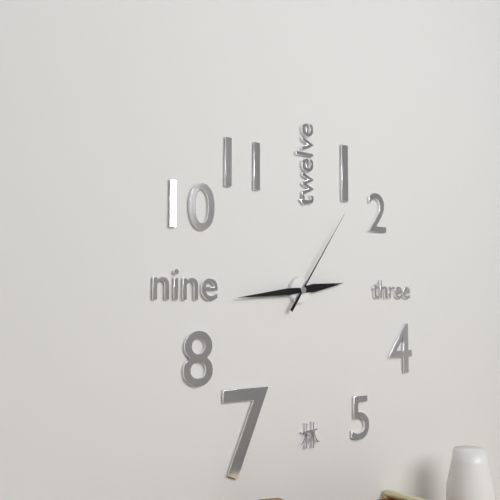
2:44:06
